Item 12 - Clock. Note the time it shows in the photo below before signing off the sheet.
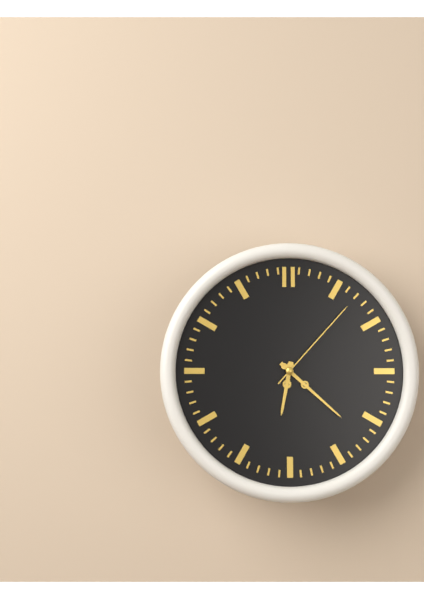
6:22:07
